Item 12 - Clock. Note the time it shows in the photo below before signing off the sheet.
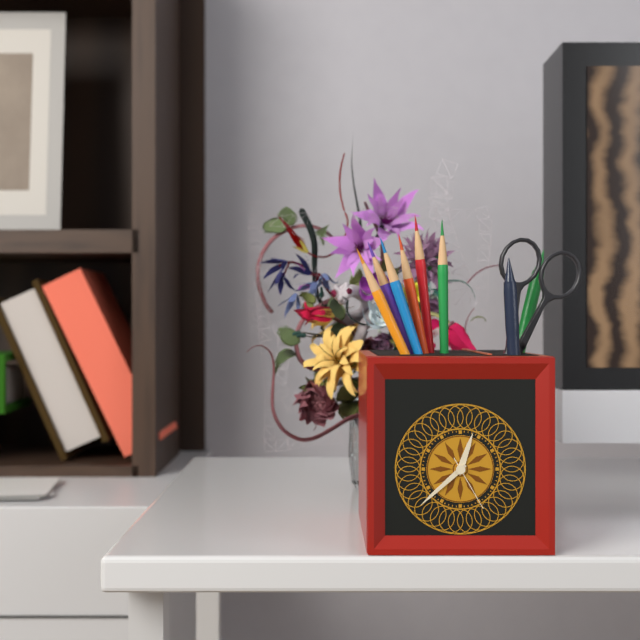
12:38:25
